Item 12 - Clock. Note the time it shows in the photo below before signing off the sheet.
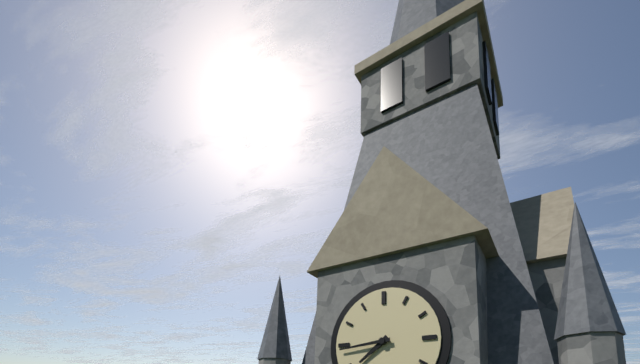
7:44
